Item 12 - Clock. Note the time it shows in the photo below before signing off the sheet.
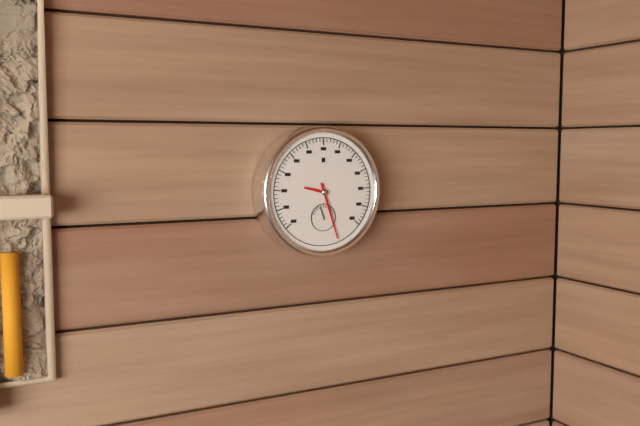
9:27
